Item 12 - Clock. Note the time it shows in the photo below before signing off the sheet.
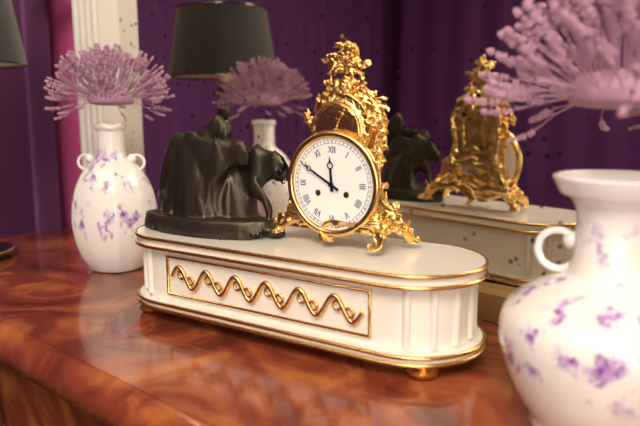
11:50
